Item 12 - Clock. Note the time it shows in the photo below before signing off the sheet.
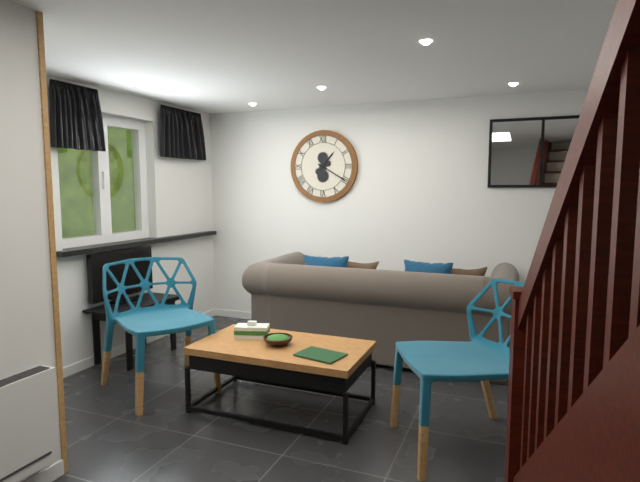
1:20
